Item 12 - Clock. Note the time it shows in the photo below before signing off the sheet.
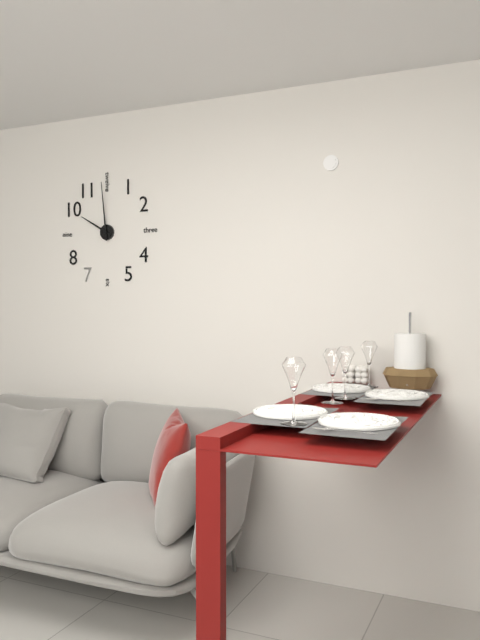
9:59
